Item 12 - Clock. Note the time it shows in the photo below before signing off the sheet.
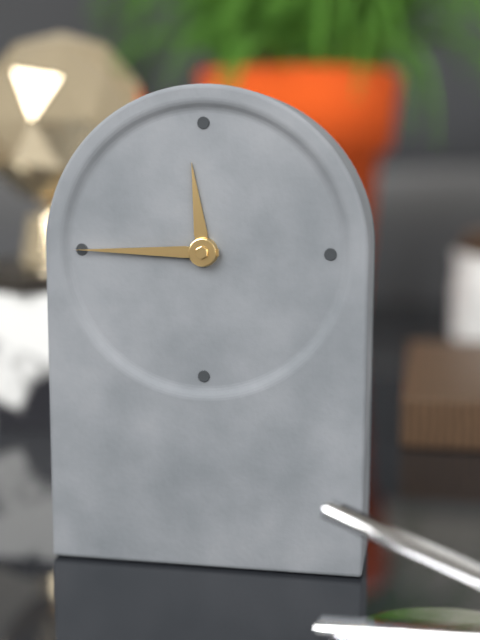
11:45
